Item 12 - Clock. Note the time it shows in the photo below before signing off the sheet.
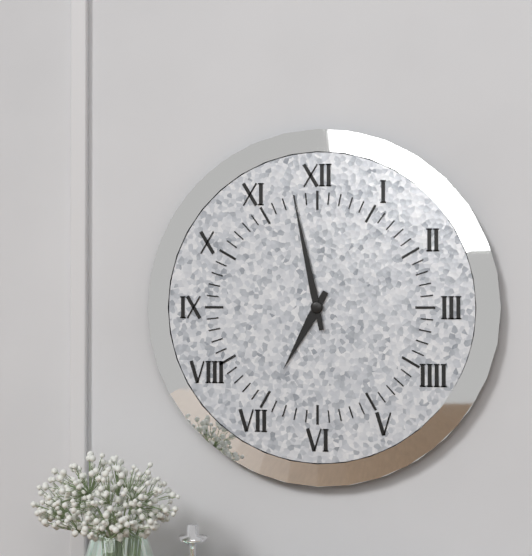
6:58
